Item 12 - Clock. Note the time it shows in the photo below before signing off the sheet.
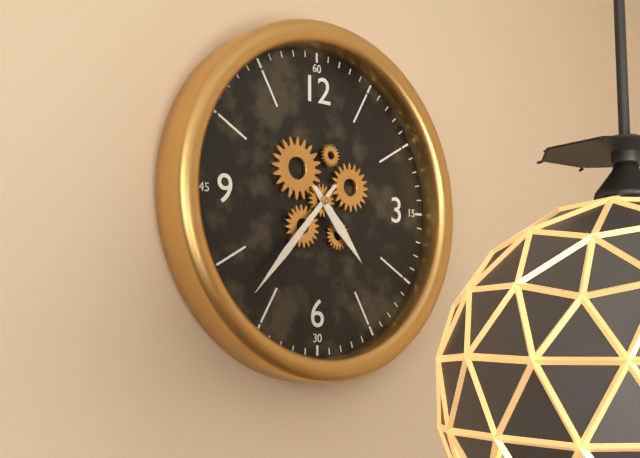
4:37
